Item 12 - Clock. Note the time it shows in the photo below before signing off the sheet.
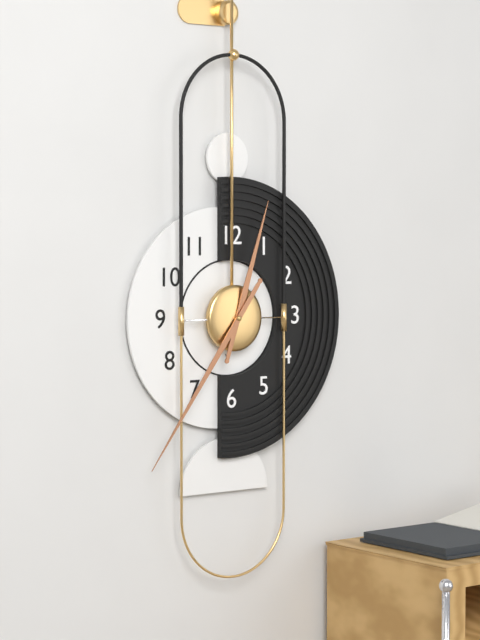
12:36
